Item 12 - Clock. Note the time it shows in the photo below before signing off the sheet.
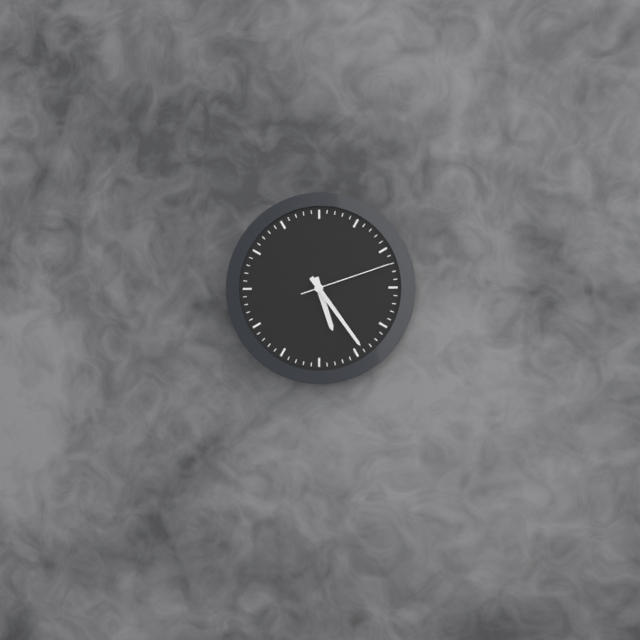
5:24:12
